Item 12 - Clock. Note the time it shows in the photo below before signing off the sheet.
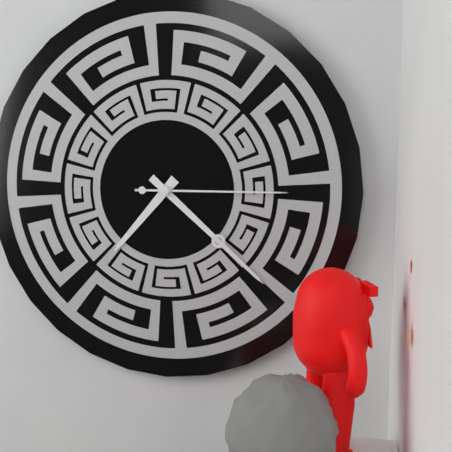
7:22:15
